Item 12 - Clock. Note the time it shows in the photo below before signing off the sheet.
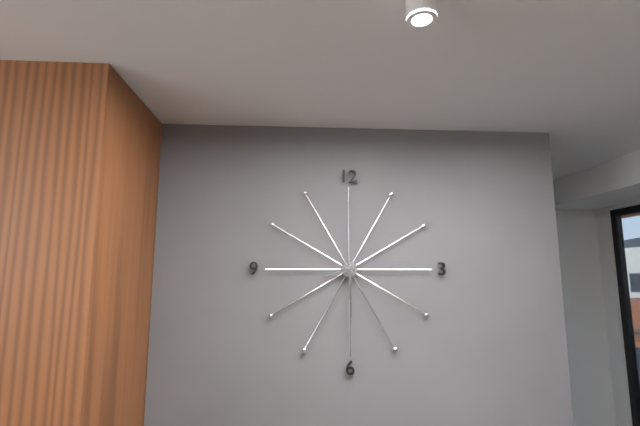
8:30
